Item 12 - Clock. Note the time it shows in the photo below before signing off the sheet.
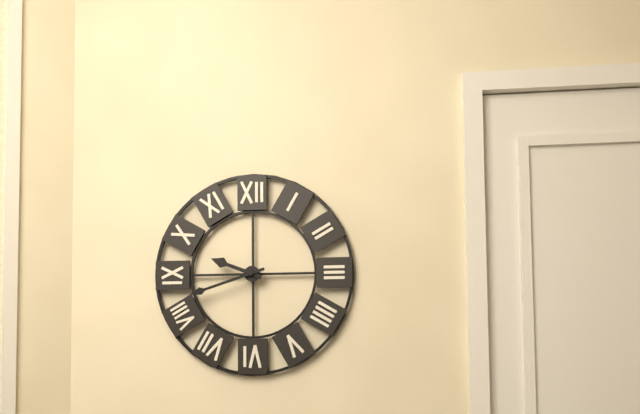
9:42
